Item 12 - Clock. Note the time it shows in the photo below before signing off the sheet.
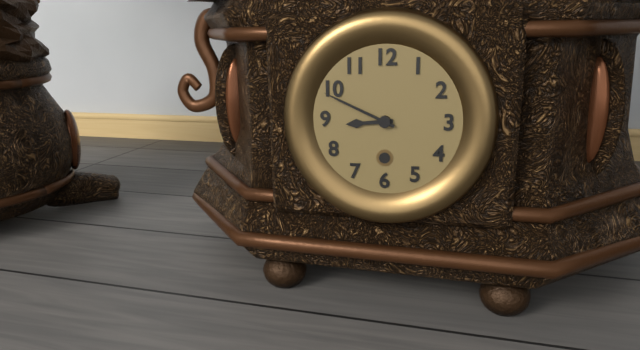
8:49
